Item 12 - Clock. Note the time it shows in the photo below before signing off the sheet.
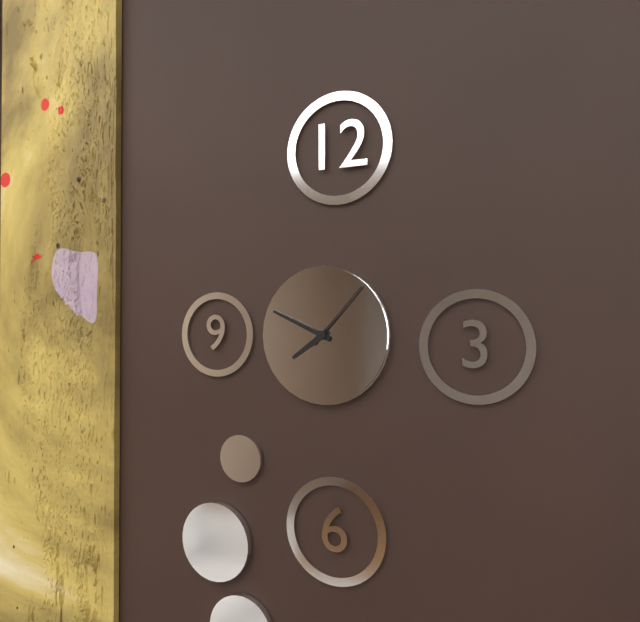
7:49:07
